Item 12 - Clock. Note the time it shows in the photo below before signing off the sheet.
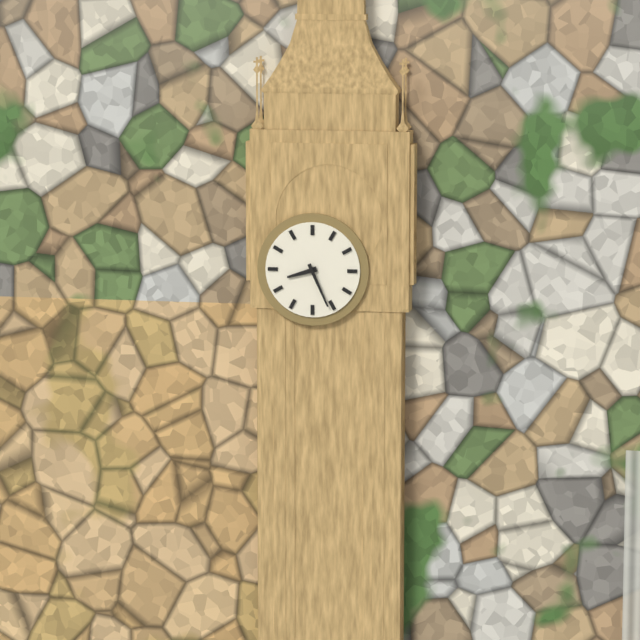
8:26
